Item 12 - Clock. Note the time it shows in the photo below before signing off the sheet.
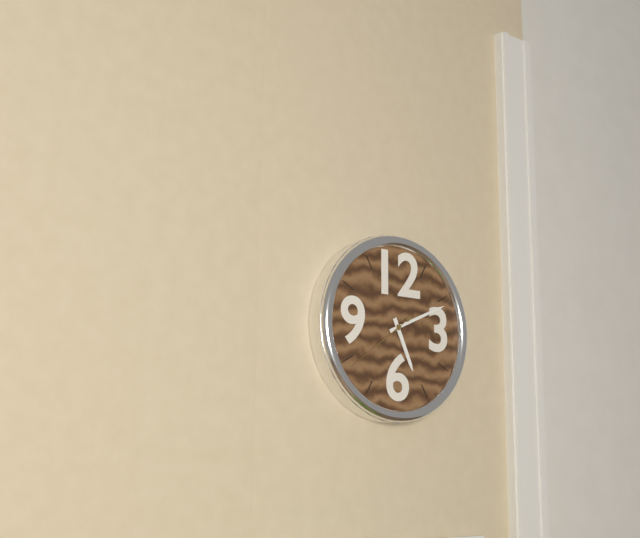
5:11:39
